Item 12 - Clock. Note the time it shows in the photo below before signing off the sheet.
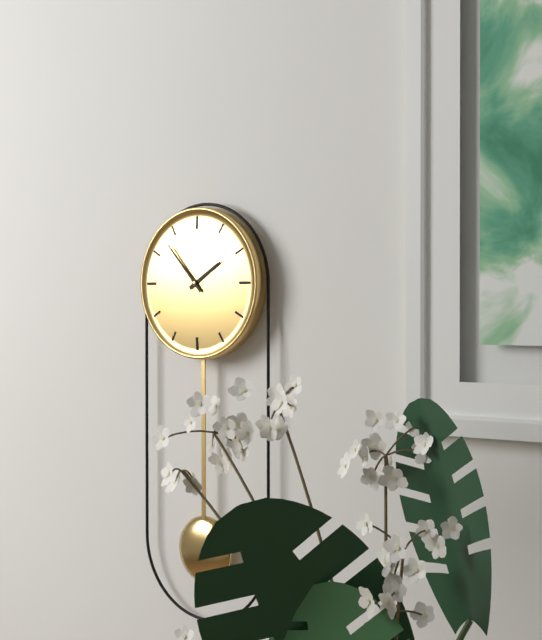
1:53
